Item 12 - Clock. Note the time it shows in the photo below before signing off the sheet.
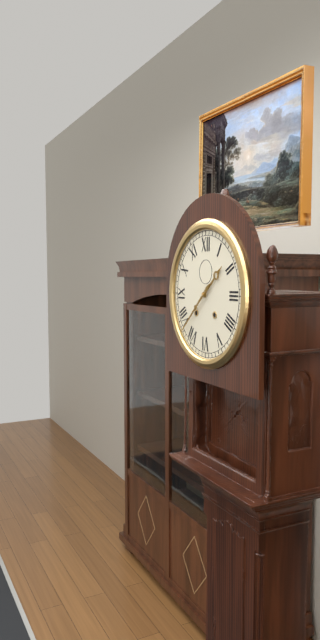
1:38
